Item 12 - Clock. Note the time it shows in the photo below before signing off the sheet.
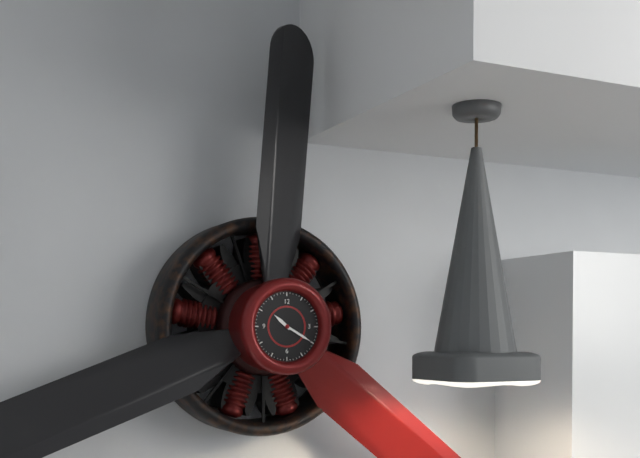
10:20
